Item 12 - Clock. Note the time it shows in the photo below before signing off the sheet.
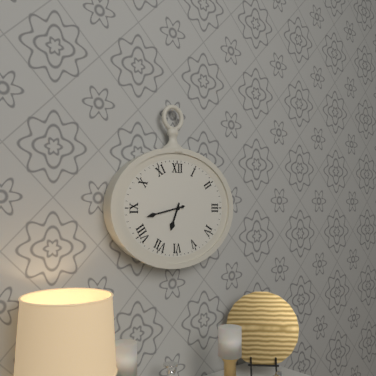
6:43
